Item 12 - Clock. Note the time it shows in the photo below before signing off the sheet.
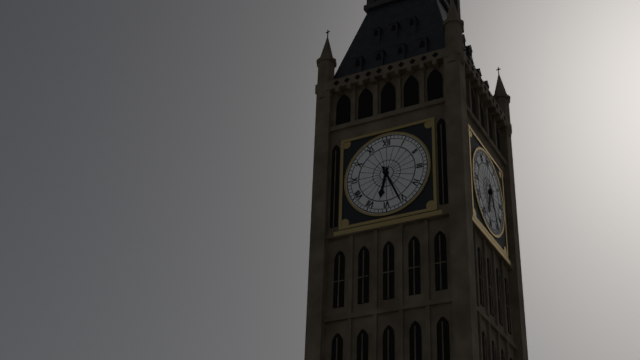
6:26
